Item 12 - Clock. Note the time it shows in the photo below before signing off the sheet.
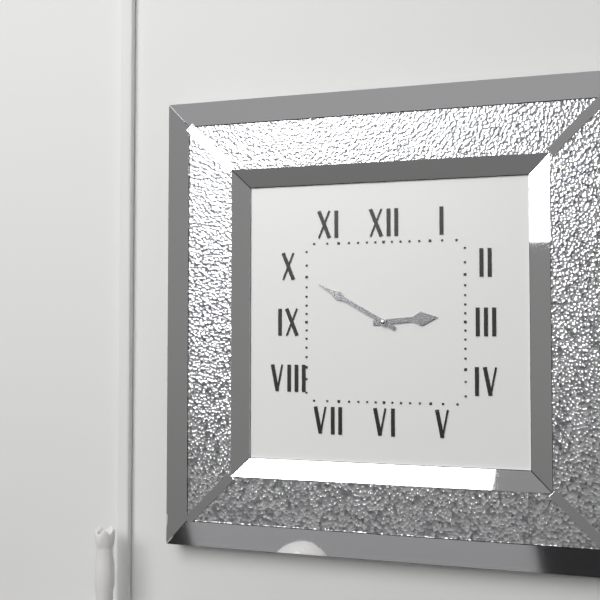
2:50
